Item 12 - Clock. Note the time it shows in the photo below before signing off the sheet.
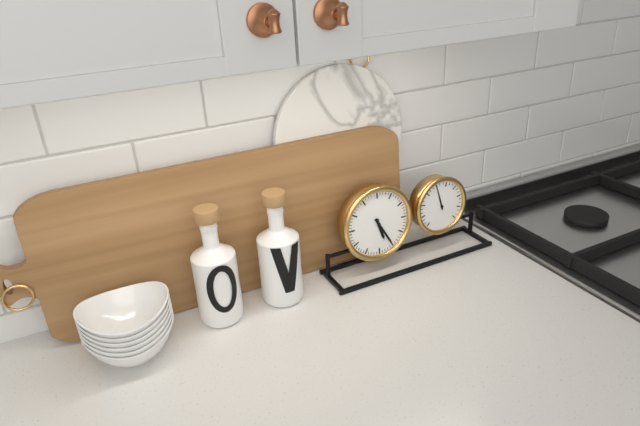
5:25
